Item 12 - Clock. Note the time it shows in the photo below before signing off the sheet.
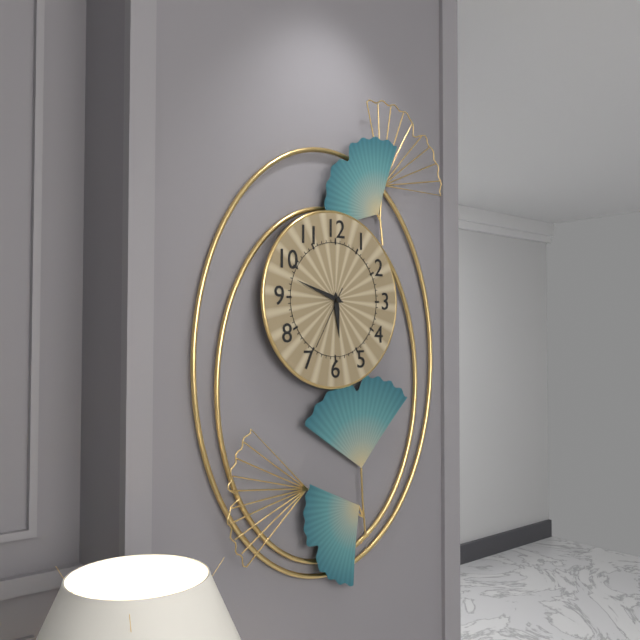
5:48:35
